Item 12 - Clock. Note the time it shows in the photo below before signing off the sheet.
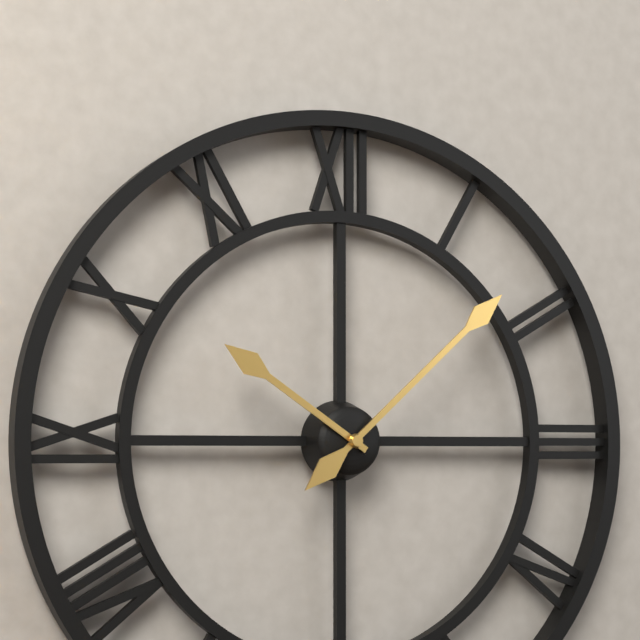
10:08
